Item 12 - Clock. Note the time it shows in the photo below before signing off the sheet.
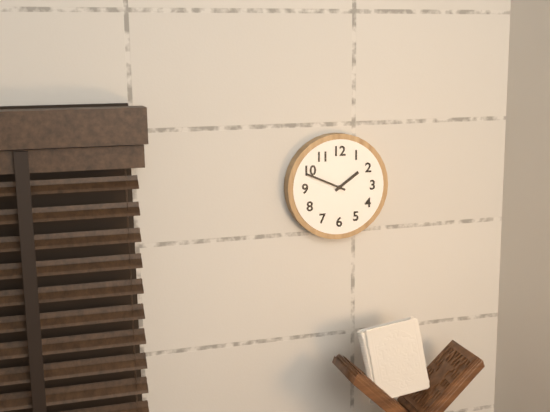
1:49
